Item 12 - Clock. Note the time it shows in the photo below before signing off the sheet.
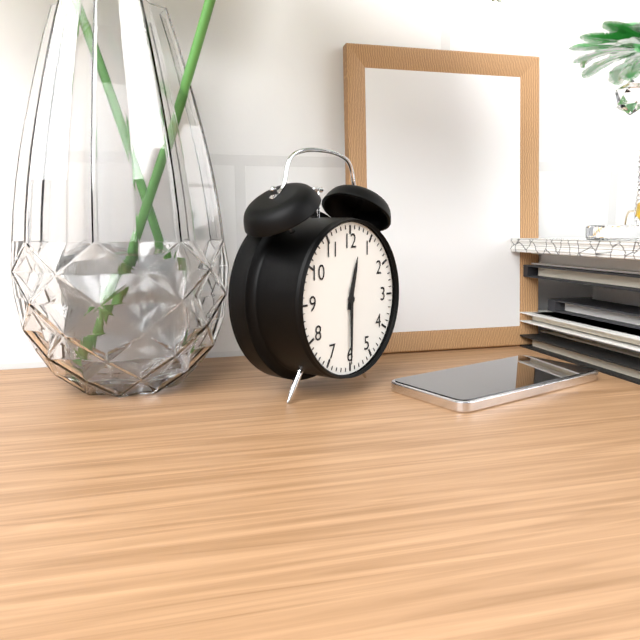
12:30
